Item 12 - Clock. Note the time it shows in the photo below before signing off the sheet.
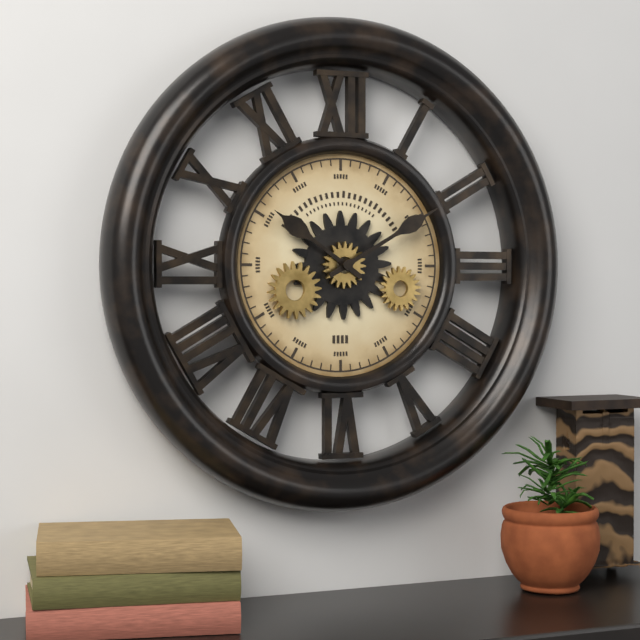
10:10
